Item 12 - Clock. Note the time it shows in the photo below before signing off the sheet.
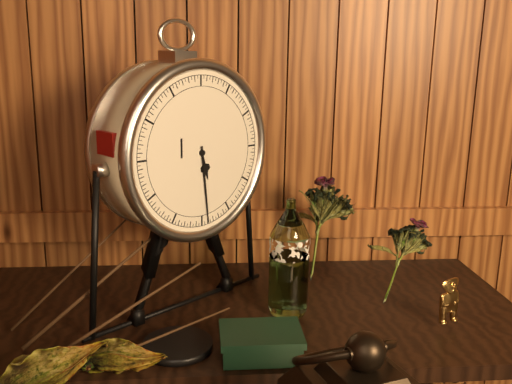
5:29
